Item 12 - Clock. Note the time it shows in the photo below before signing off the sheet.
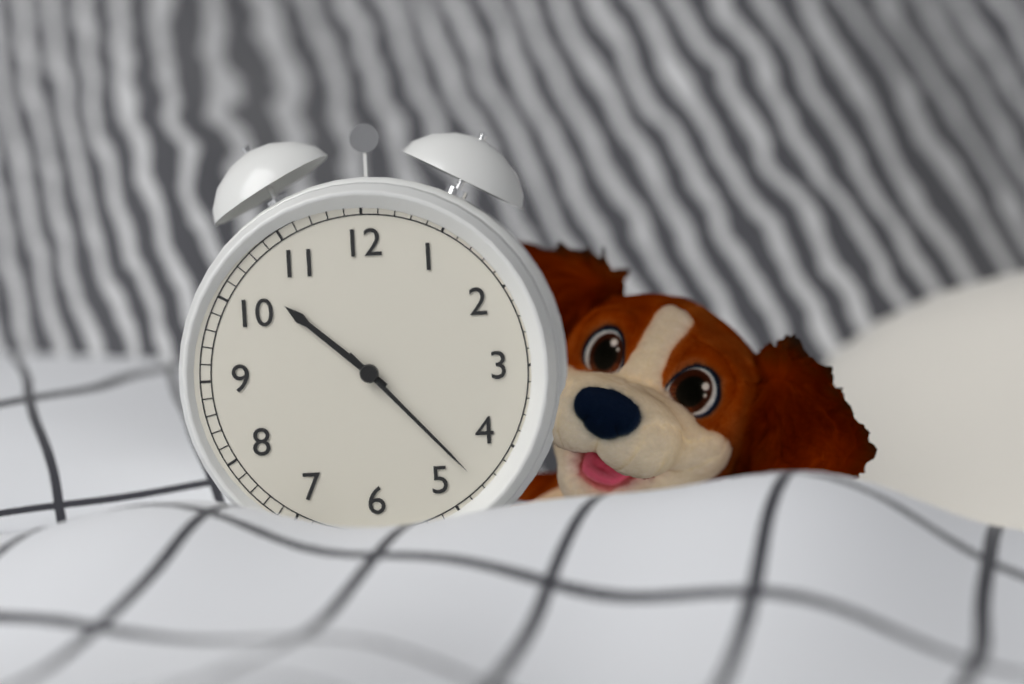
10:23
